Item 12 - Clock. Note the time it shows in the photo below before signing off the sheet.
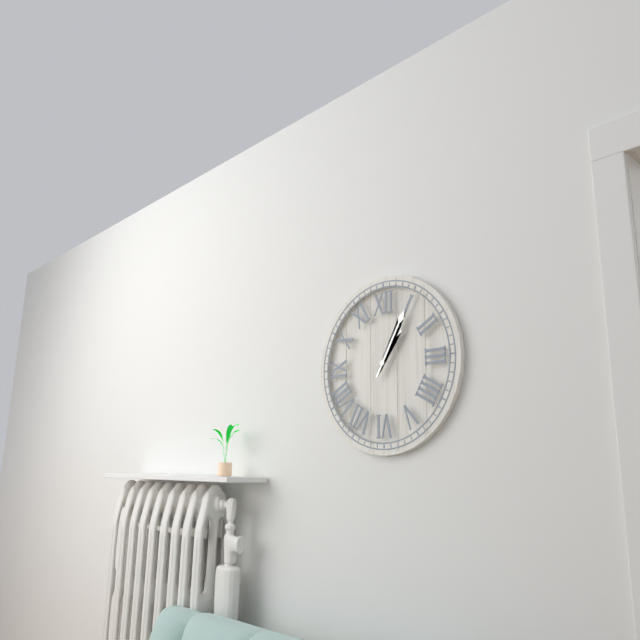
1:05
